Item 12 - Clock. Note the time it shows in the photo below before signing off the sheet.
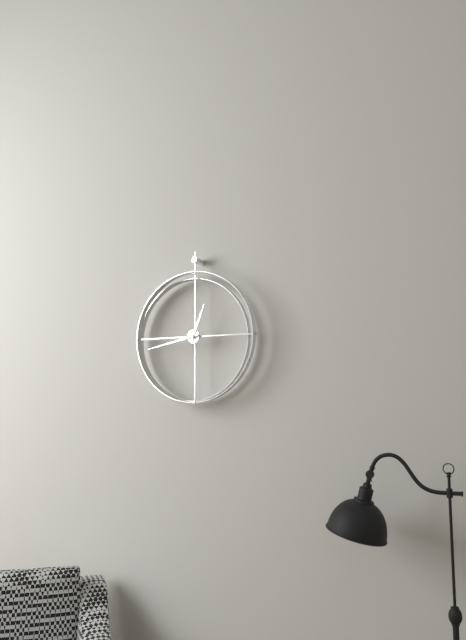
12:43
